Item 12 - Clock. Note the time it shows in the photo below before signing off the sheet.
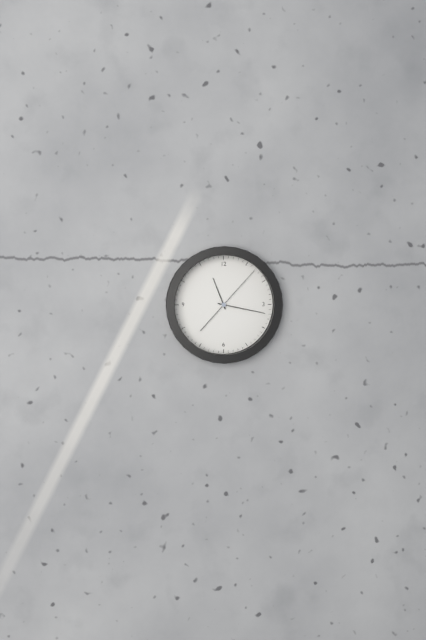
11:17:07
